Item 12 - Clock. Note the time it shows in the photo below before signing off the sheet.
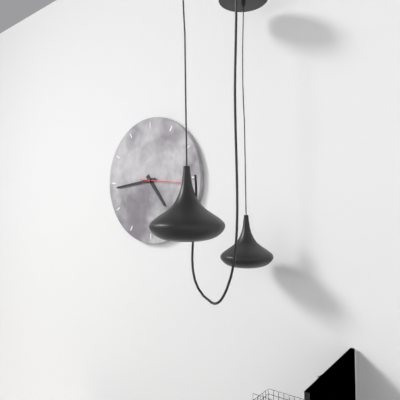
4:44:16
